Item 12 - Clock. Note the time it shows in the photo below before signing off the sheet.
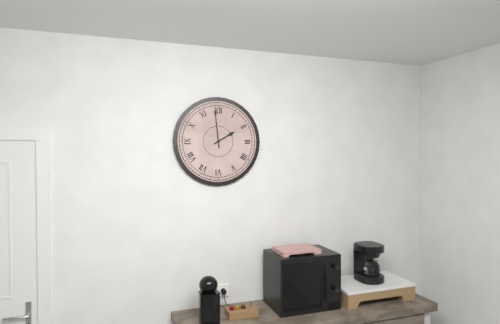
1:59
